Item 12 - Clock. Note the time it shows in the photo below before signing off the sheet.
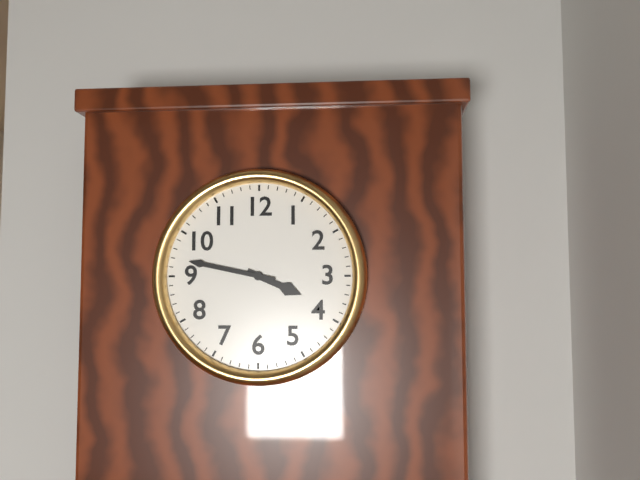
3:47
